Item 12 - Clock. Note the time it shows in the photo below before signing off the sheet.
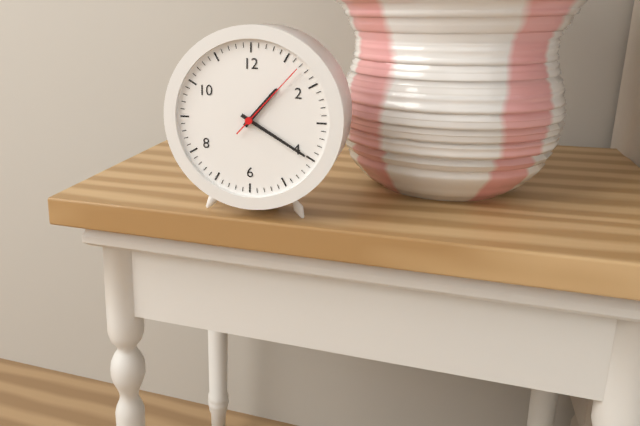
1:20:07
